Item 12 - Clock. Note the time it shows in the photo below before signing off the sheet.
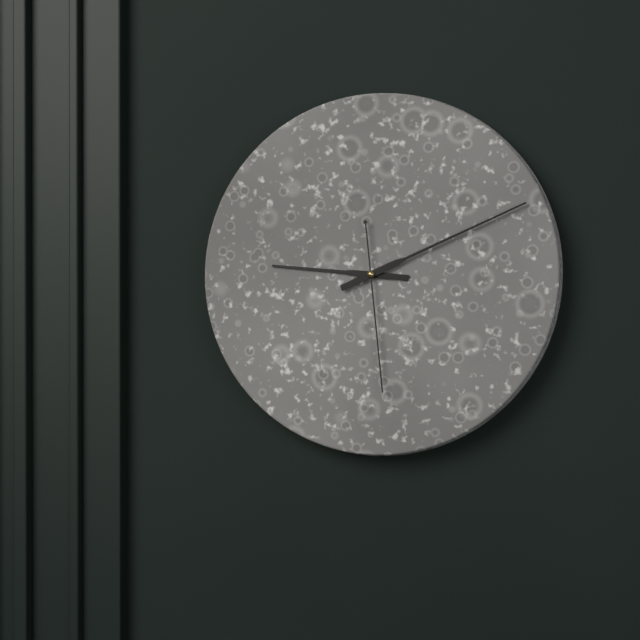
9:11:29
